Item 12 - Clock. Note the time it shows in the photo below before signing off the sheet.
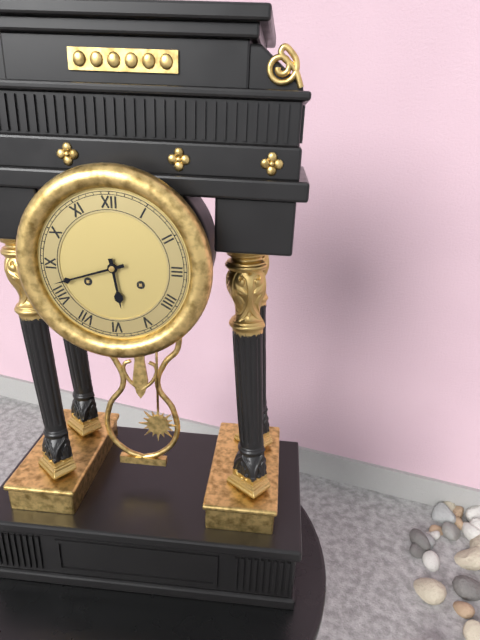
5:42
